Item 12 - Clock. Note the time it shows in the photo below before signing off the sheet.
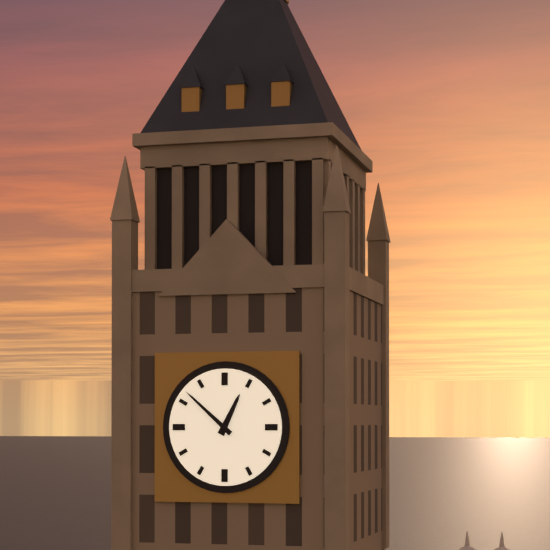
12:52
